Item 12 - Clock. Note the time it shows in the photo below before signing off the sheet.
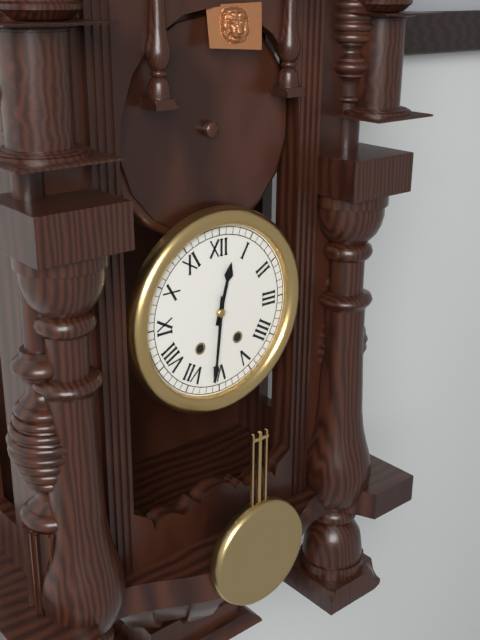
12:31
